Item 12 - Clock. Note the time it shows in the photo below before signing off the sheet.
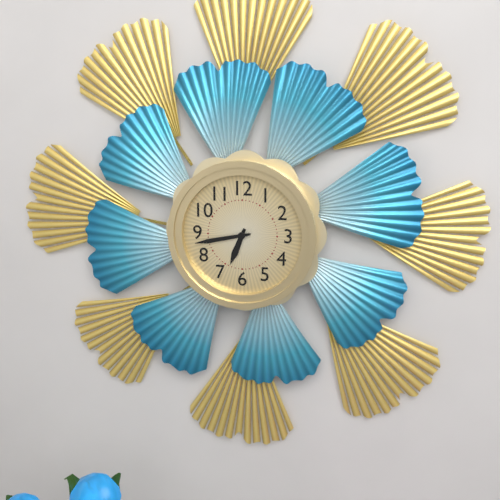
6:43
